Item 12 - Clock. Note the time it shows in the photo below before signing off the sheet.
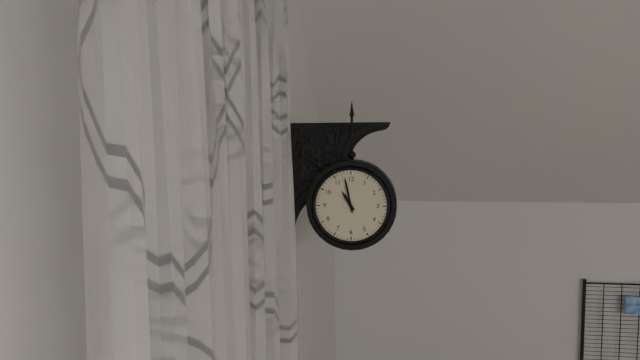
10:58
